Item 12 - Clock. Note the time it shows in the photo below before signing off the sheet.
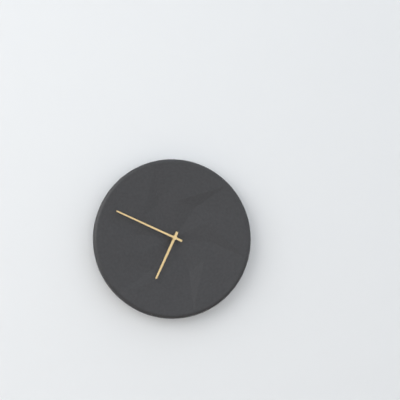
6:49
